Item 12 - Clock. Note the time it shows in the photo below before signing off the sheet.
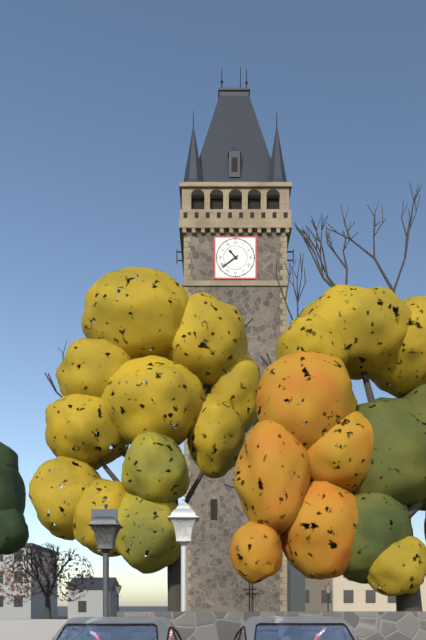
10:39
